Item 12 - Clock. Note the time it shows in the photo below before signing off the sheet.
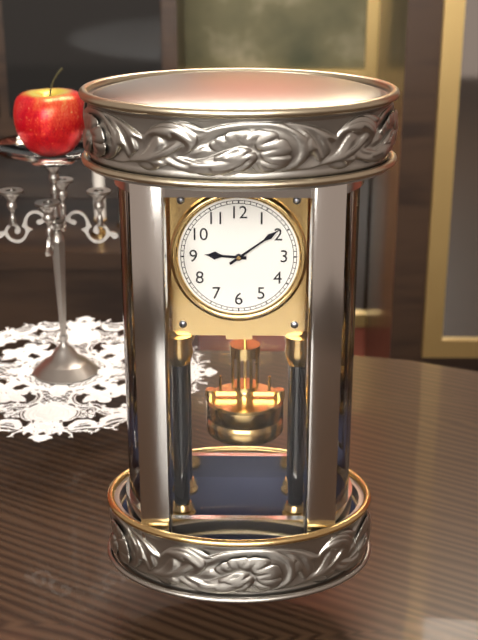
9:09
